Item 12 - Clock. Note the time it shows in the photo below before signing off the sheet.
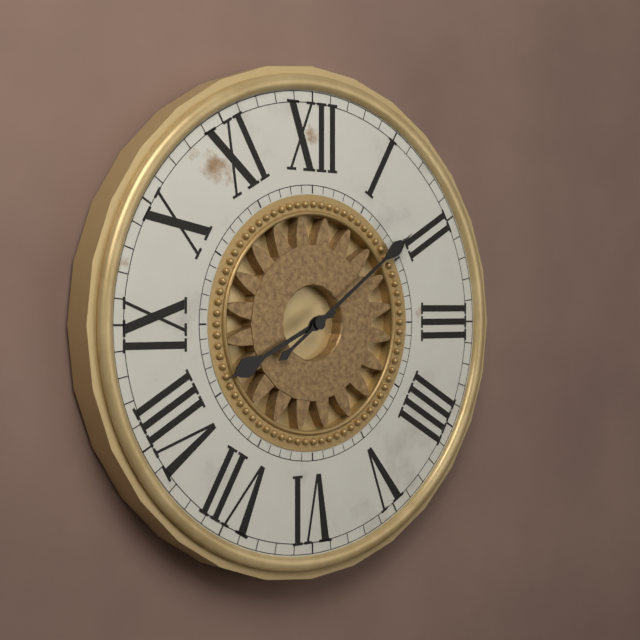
8:09
